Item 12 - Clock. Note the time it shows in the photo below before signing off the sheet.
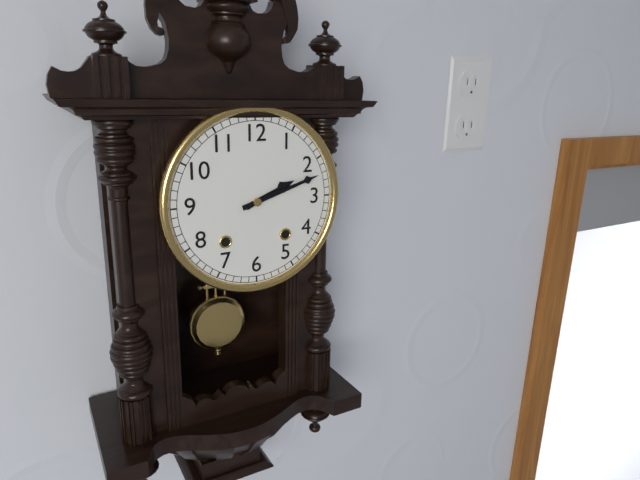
2:12
